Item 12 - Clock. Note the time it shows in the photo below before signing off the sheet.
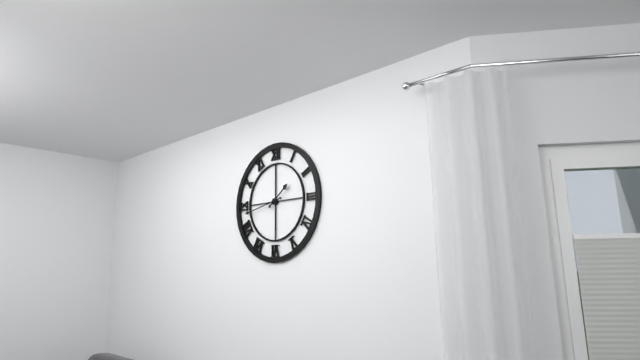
1:43
